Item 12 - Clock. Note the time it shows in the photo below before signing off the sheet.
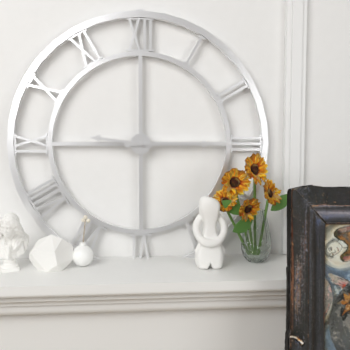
9:15
